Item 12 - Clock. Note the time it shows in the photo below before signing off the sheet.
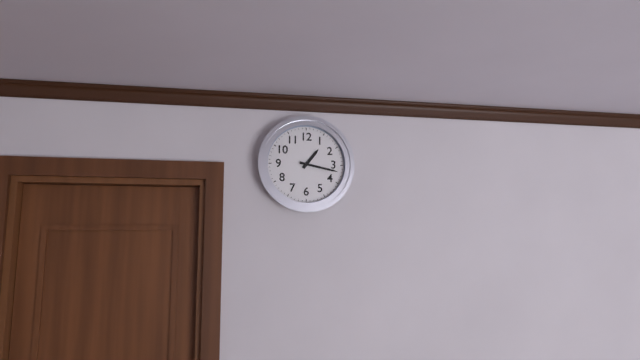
1:17
